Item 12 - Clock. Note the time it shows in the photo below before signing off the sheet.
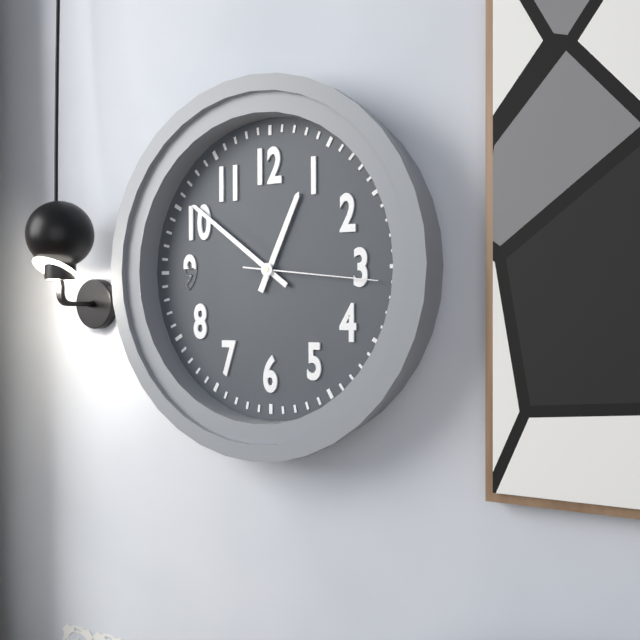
12:51:16
